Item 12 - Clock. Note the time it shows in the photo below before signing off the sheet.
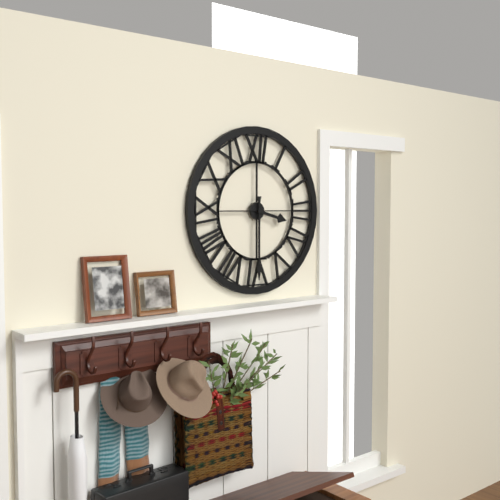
3:30
